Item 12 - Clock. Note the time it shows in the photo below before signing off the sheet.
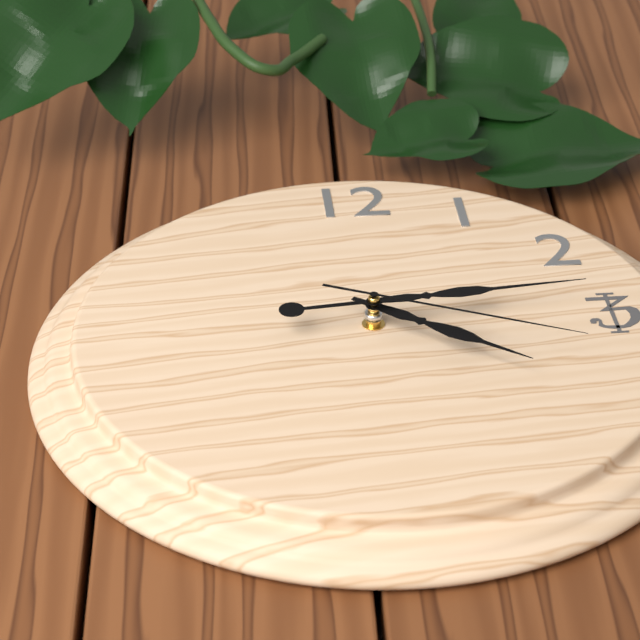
4:14:19
